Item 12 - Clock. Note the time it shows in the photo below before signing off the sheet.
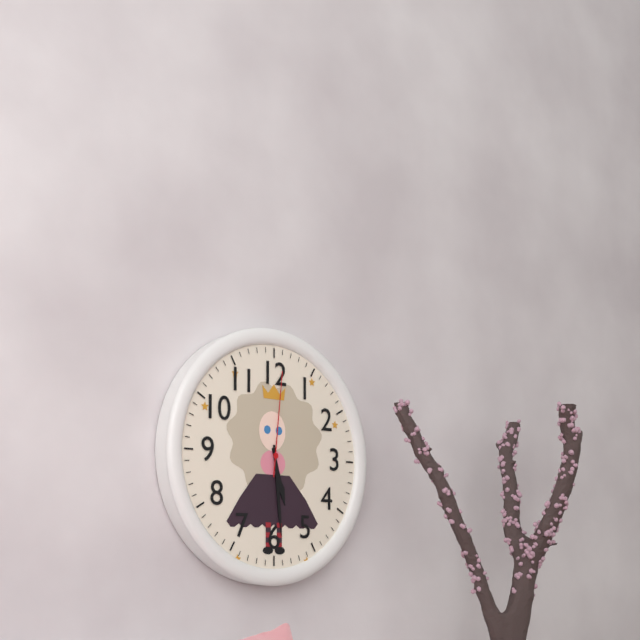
5:29:01
